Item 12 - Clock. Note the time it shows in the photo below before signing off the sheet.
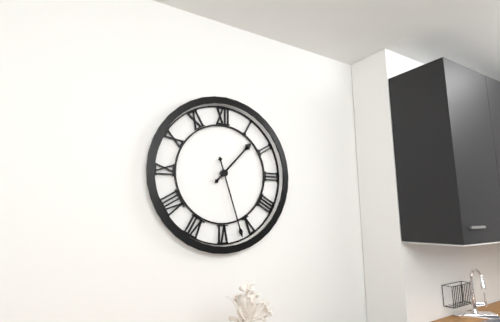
1:27
